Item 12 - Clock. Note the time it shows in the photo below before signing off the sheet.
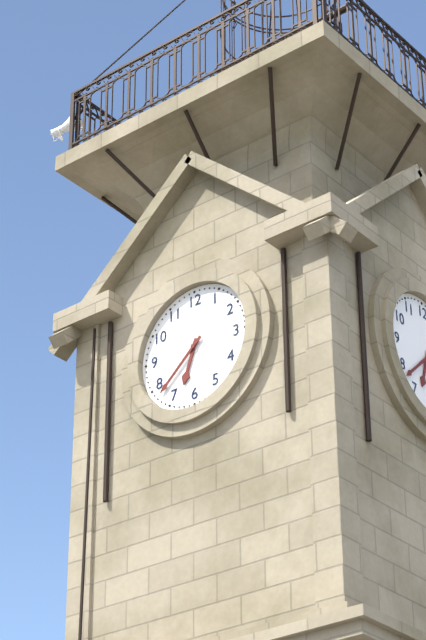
6:38
